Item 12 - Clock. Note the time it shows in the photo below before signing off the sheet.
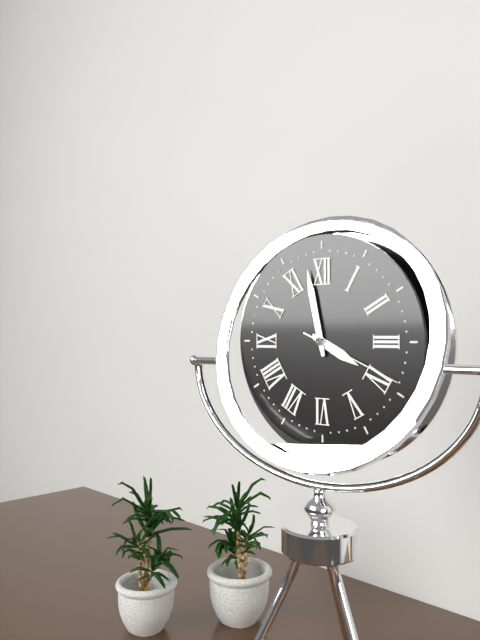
3:58:19
